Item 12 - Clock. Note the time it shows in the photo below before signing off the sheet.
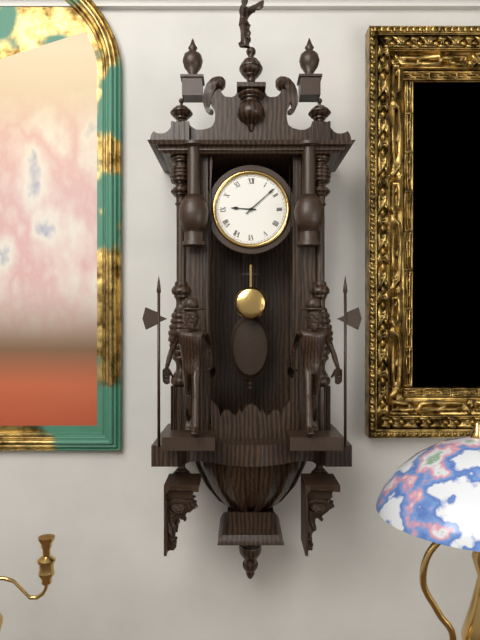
9:08
